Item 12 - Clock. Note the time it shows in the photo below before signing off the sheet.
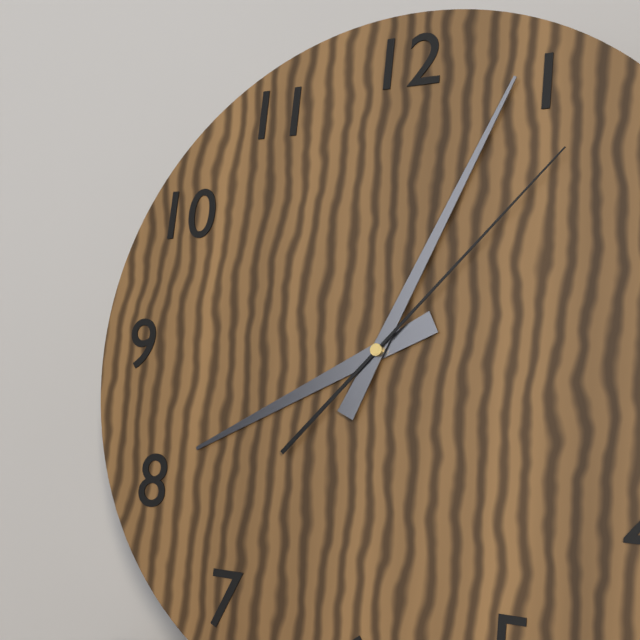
8:04:07
